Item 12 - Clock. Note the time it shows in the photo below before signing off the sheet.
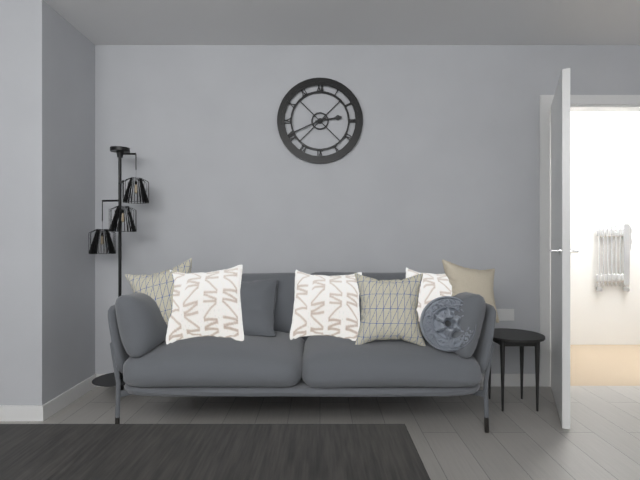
2:41
